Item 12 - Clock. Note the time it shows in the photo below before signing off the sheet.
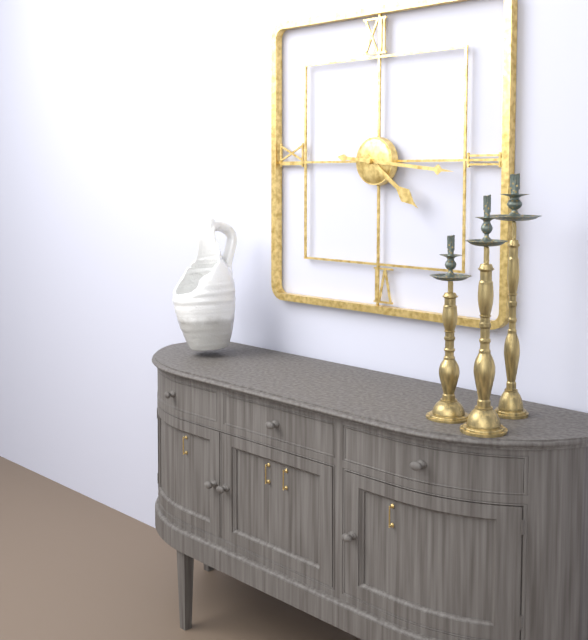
4:16
